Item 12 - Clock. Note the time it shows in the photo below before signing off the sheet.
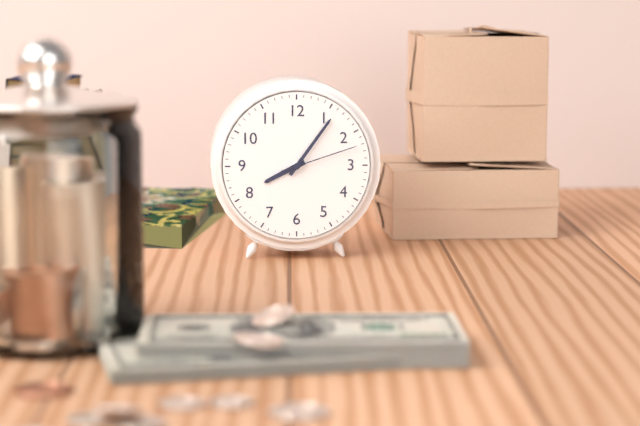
8:06:12
